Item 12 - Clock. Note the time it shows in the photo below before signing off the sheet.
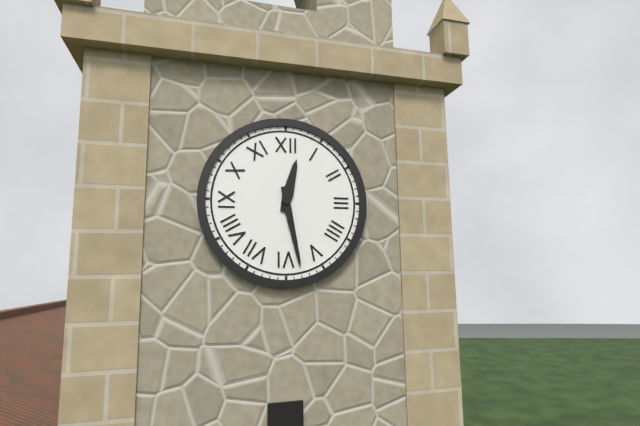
12:28
